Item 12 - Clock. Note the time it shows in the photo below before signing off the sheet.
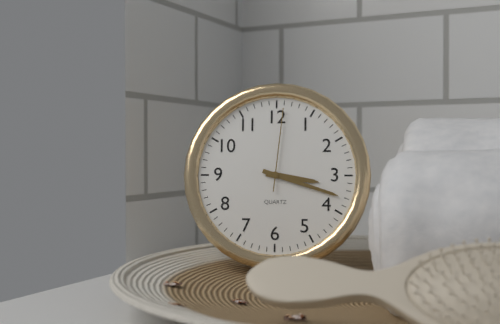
3:18:01
